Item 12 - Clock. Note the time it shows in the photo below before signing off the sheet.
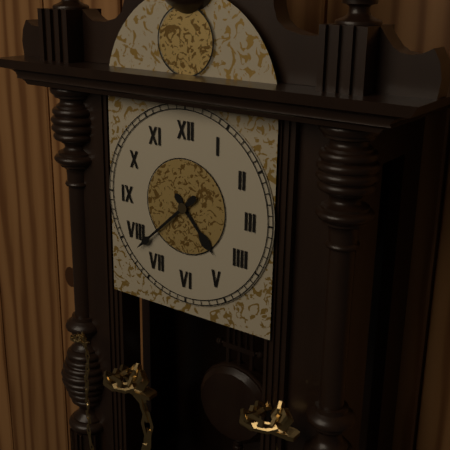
4:38
